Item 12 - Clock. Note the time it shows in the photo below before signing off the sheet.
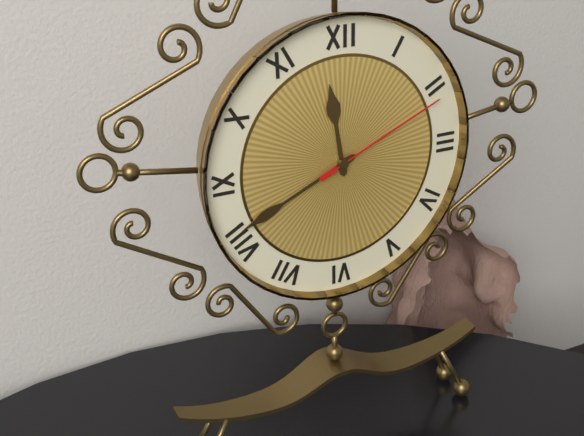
11:41:11
